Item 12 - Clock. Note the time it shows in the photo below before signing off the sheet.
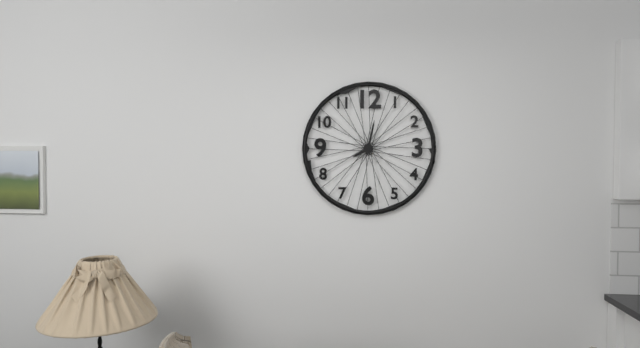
8:02
